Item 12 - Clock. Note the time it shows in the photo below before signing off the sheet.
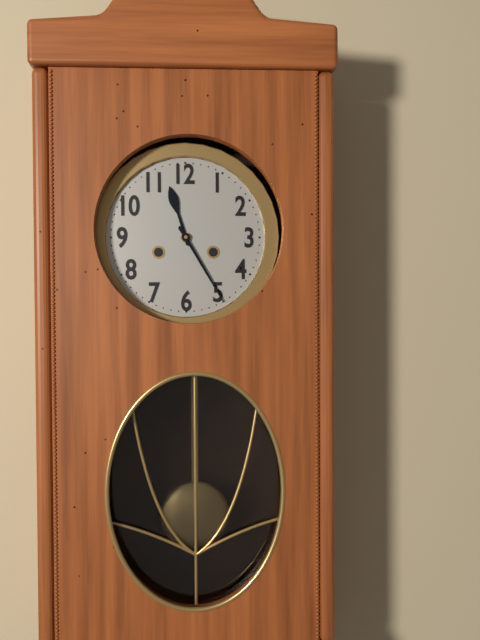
11:25
